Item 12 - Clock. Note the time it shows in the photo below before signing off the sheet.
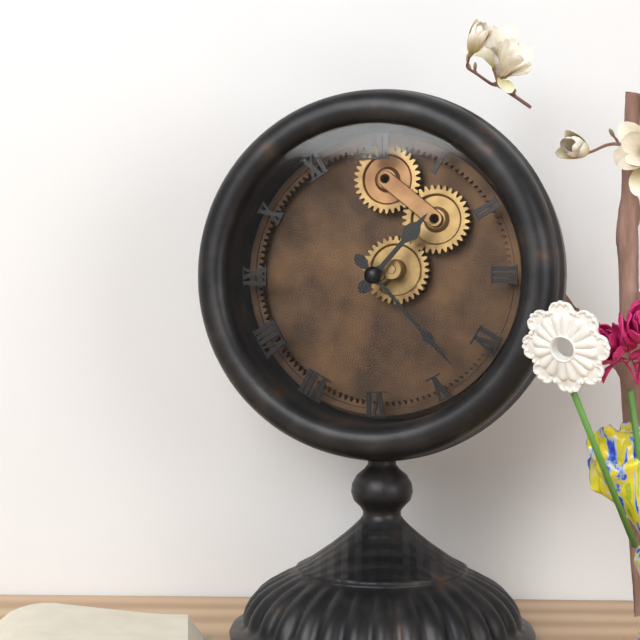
1:23
